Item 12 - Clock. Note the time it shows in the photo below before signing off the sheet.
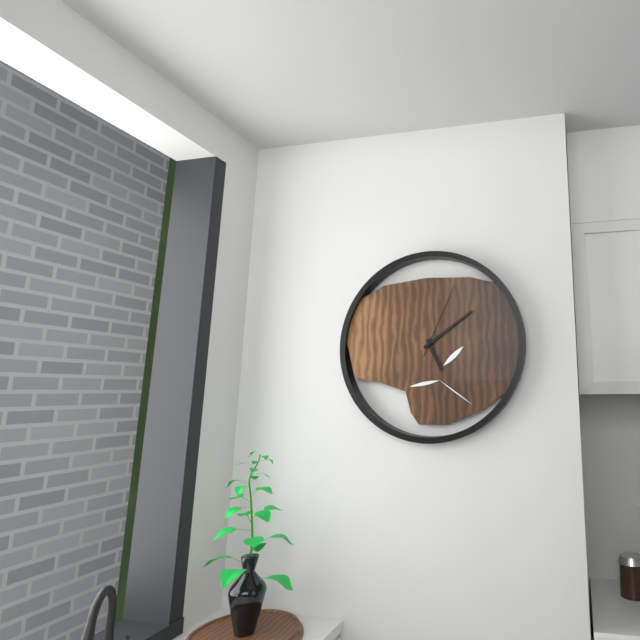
5:09:04
